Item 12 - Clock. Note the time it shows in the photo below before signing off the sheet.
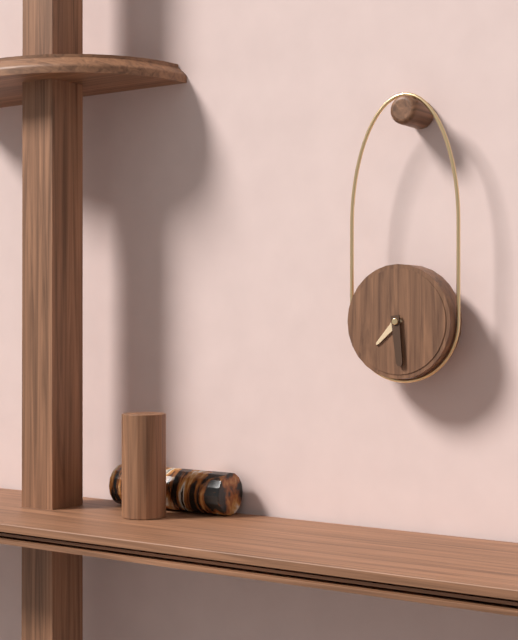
7:29
